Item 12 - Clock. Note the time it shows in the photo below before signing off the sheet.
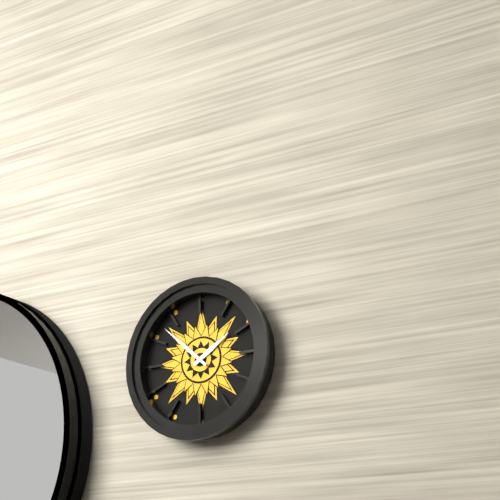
1:52
